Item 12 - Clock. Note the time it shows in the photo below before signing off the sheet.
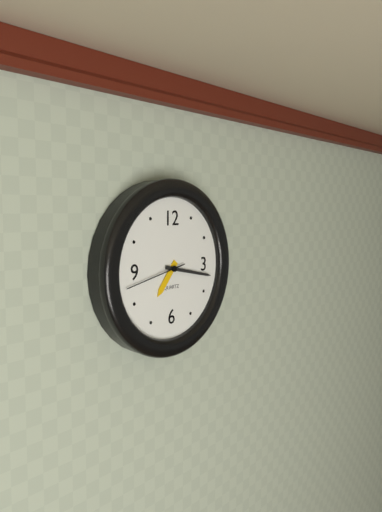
7:17:43
